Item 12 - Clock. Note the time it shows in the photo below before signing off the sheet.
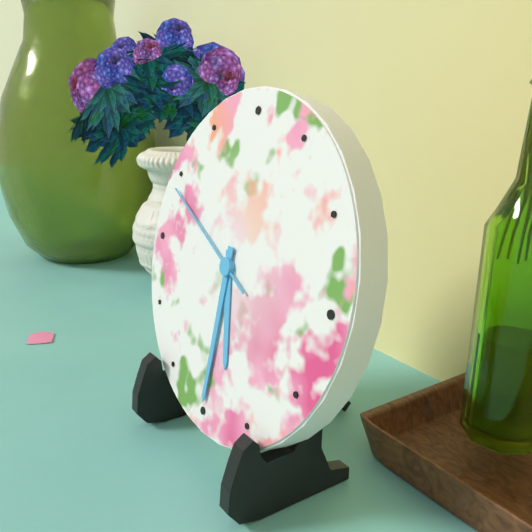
5:30:49
